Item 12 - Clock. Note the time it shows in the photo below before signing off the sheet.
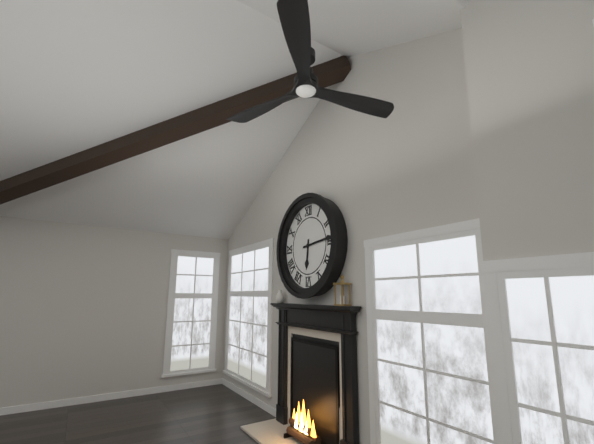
6:14
